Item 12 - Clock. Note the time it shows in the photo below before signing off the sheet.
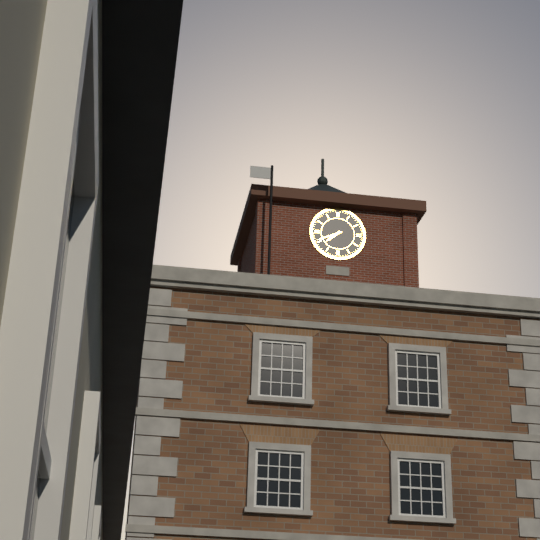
7:41
